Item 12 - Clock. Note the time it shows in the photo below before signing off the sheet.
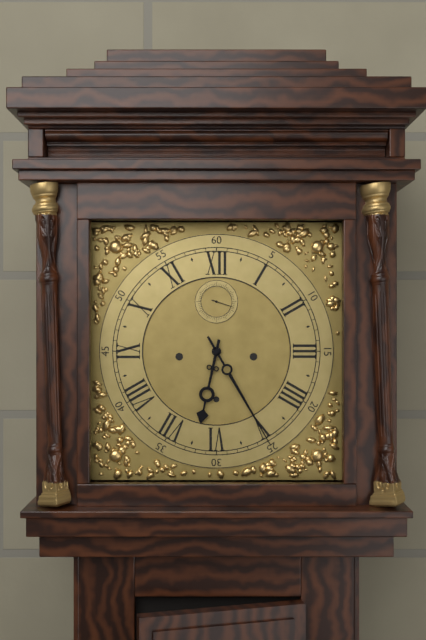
6:25
